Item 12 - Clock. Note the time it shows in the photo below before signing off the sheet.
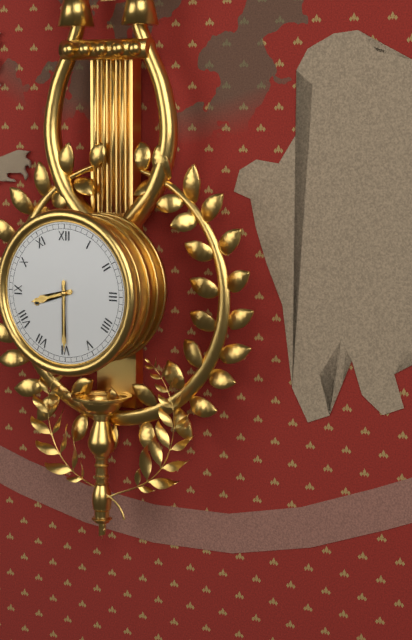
8:30
